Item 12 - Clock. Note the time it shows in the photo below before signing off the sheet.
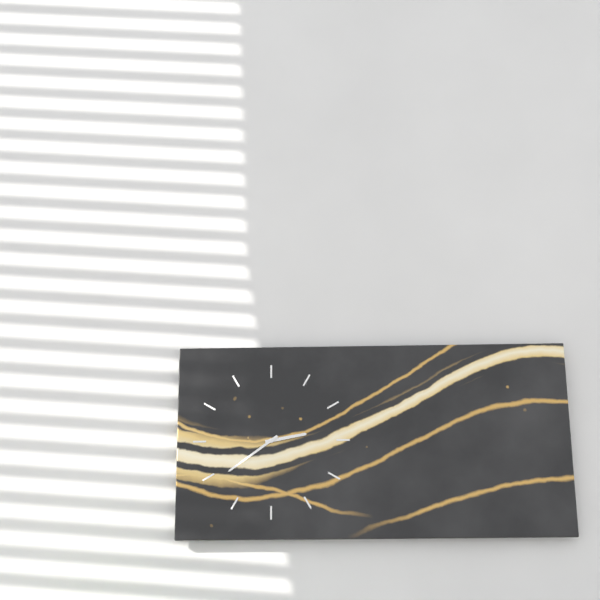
2:39
